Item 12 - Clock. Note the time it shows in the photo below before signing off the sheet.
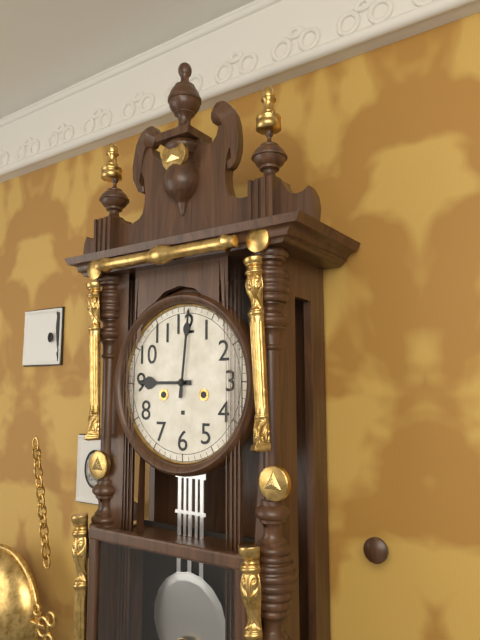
9:01
